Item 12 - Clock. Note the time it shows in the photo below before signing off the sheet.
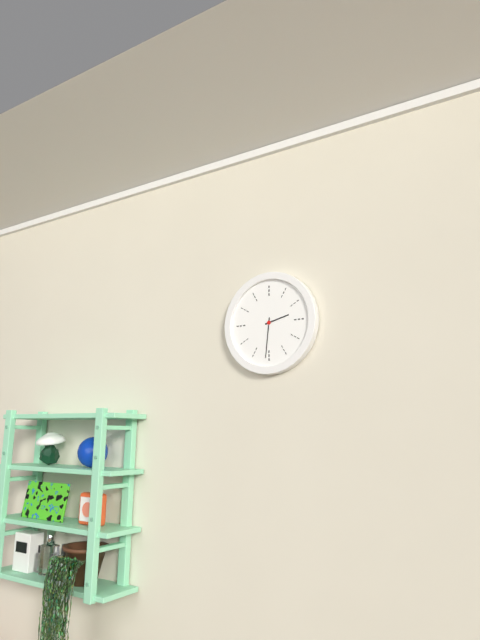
2:31
